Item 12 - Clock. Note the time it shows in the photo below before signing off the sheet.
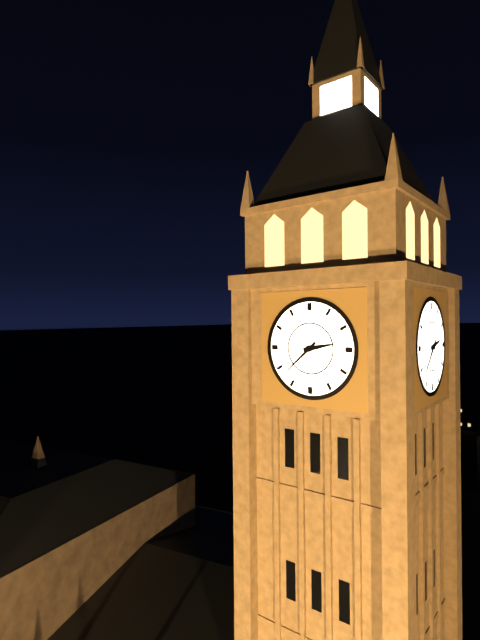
2:38
